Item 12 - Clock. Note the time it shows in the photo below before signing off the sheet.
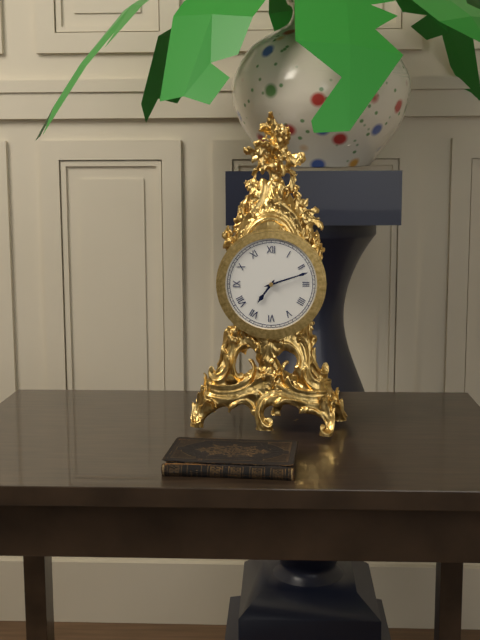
7:12
